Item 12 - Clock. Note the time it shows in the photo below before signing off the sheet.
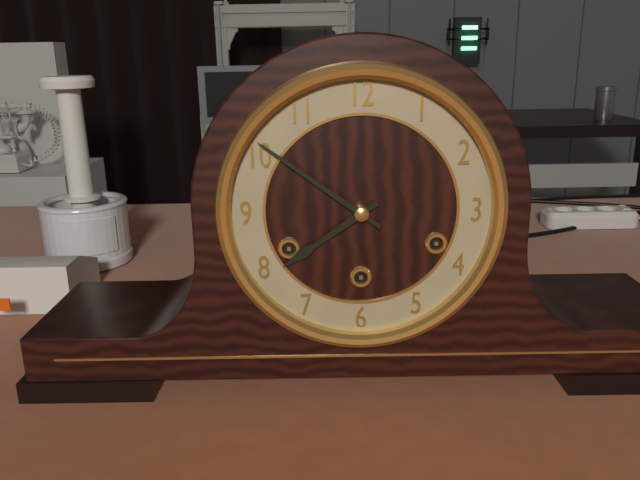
7:51
